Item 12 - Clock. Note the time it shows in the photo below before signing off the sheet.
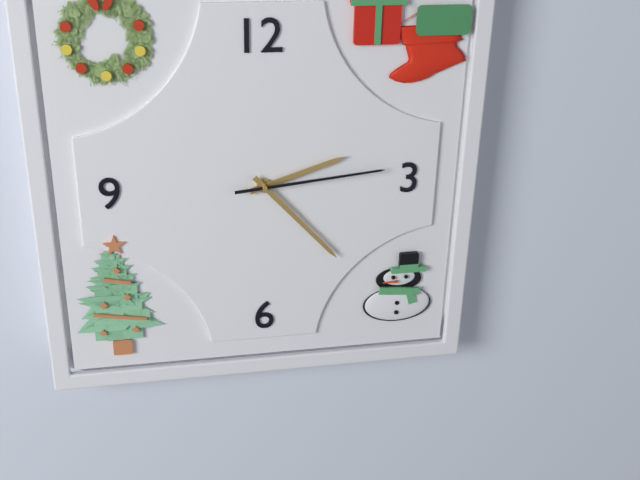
2:23:14
